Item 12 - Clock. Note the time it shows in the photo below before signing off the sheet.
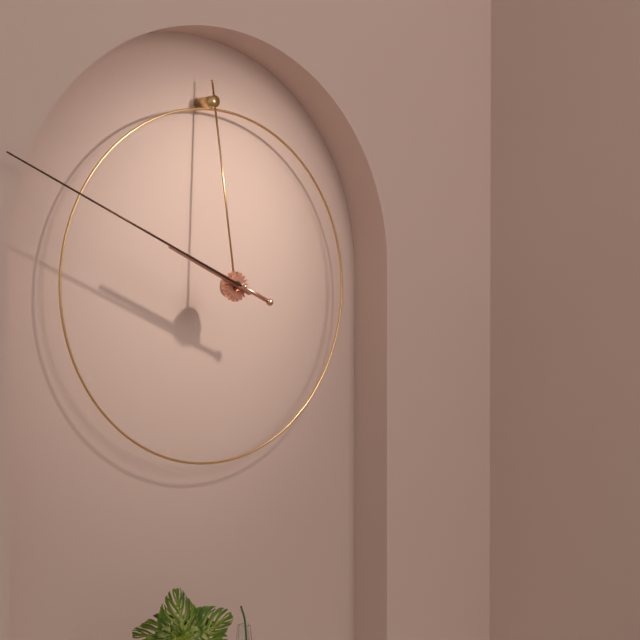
9:49
